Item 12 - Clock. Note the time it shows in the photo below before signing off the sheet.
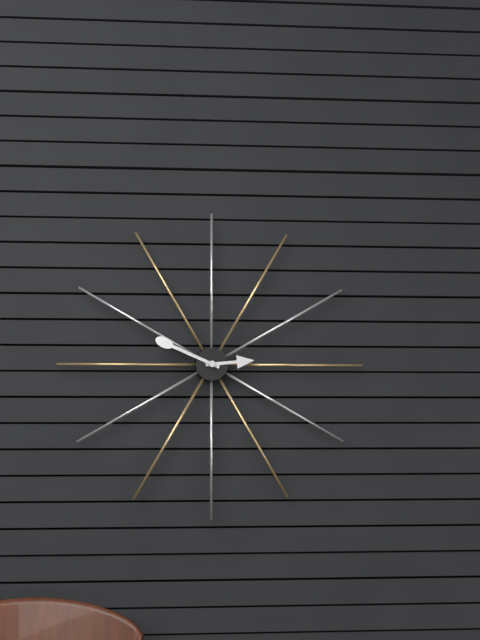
2:49
